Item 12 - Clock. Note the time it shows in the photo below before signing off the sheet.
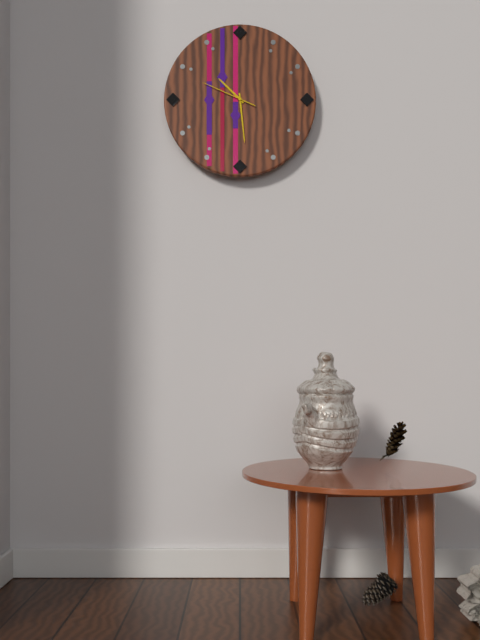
10:29:49
